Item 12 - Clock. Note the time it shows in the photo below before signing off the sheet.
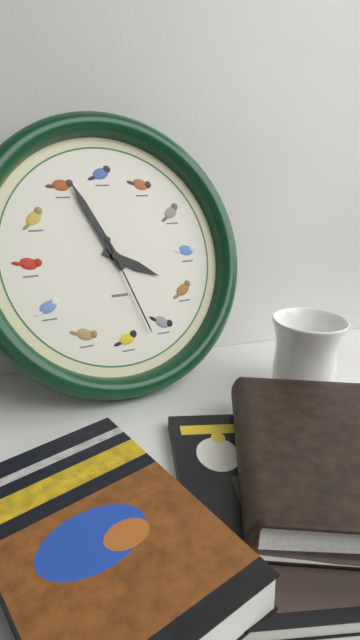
3:56:27
